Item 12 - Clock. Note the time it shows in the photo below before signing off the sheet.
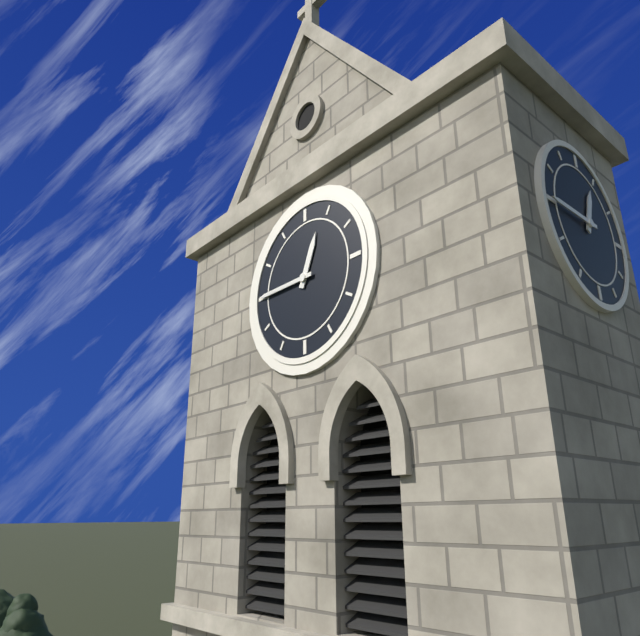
12:45
